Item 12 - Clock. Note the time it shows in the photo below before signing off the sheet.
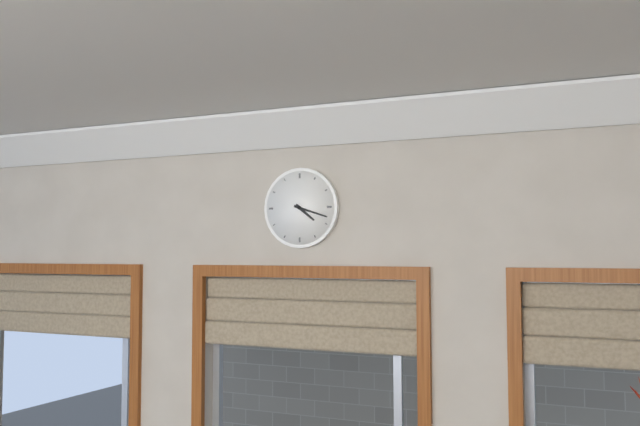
4:18
